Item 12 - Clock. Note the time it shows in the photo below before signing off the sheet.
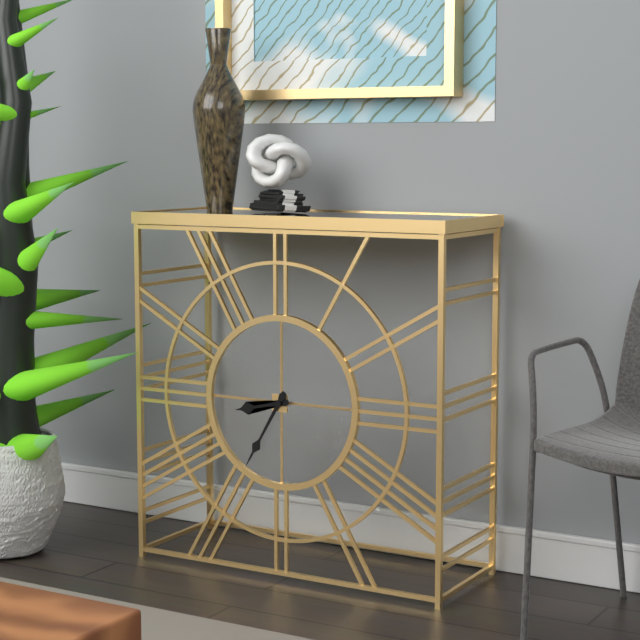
8:35
